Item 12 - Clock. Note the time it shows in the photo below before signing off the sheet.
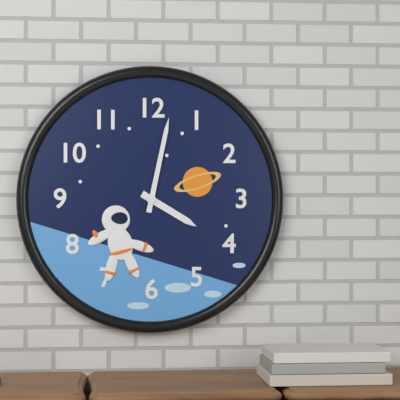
4:02
